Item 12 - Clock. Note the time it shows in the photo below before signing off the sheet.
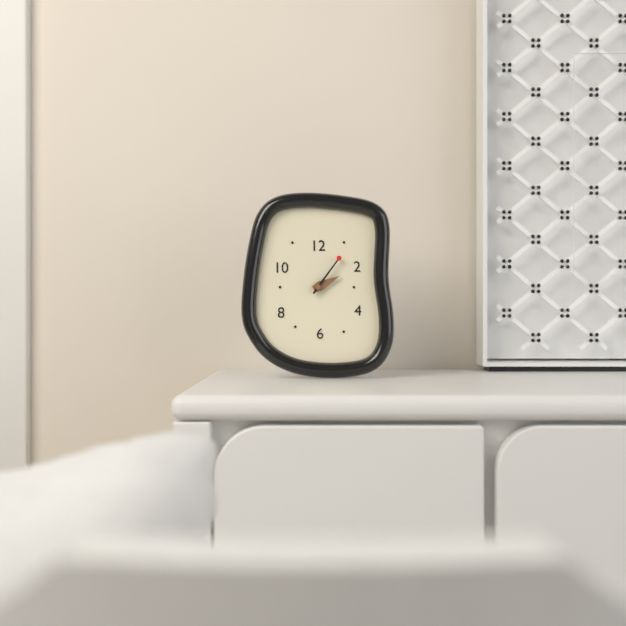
2:06
